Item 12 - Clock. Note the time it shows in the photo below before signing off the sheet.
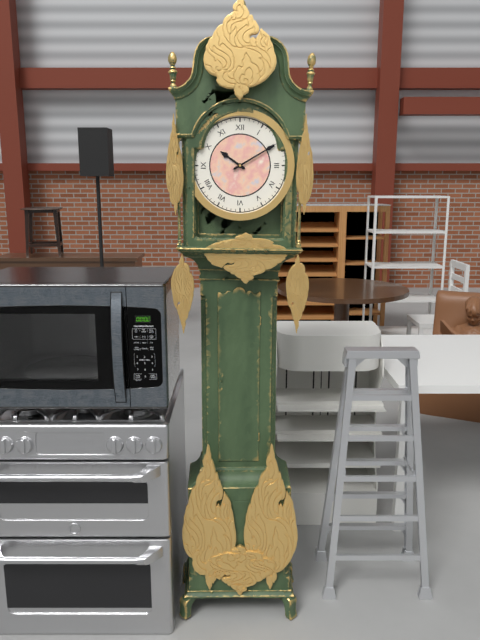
10:10
